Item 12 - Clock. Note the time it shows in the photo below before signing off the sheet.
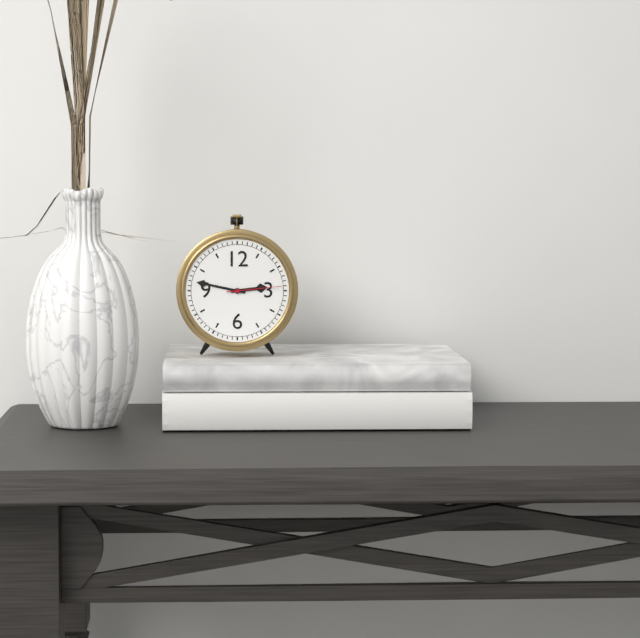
2:47:14
